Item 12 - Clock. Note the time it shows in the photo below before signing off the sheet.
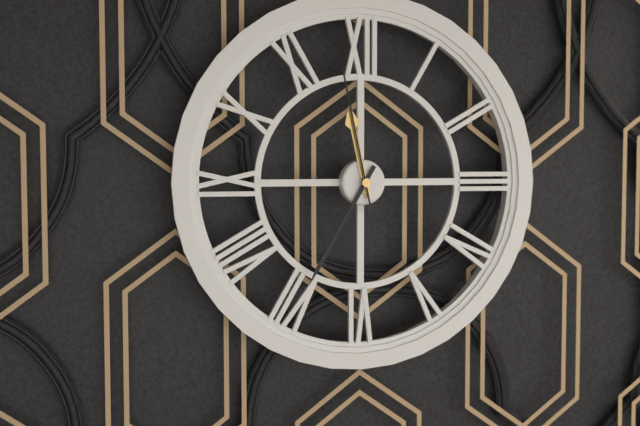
11:35:58
